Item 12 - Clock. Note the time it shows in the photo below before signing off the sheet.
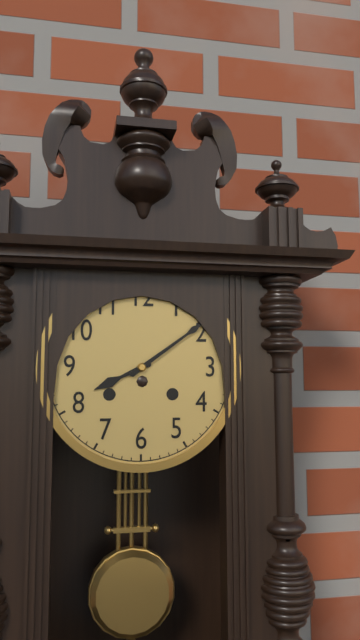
8:09
